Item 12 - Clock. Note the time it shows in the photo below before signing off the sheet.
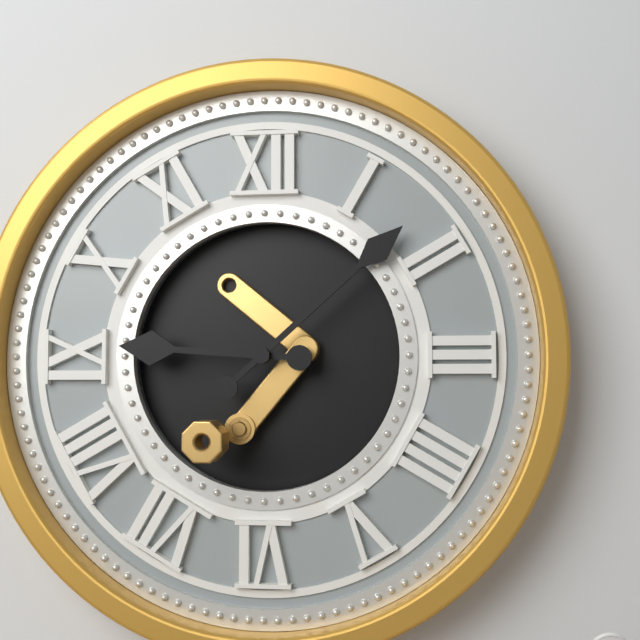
9:08
